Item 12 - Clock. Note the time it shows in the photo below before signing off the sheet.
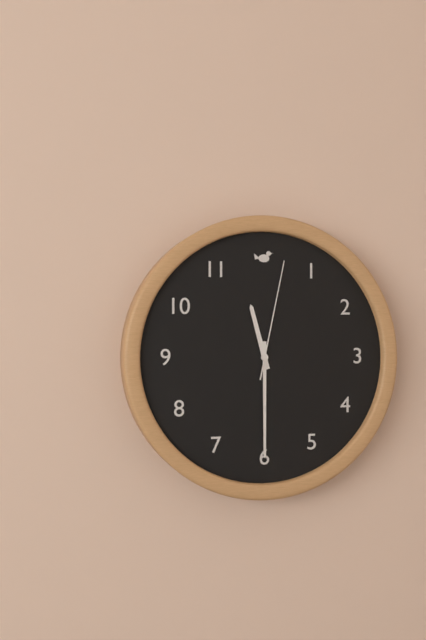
11:30:02
